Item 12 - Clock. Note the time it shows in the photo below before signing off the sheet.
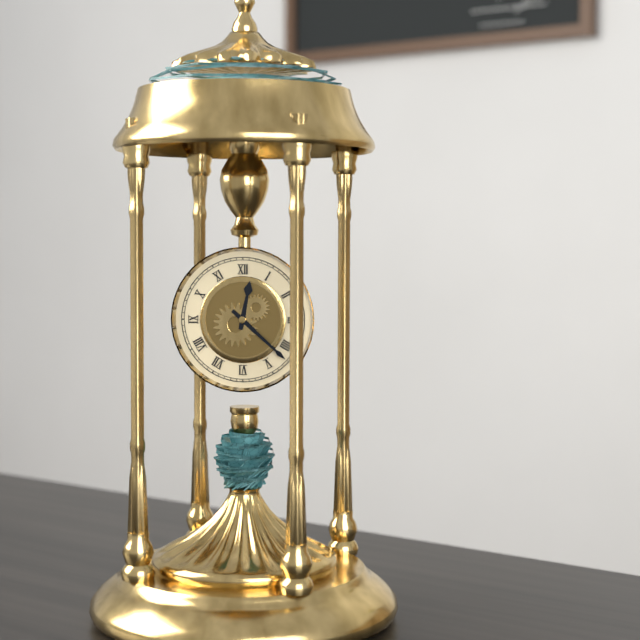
12:22
